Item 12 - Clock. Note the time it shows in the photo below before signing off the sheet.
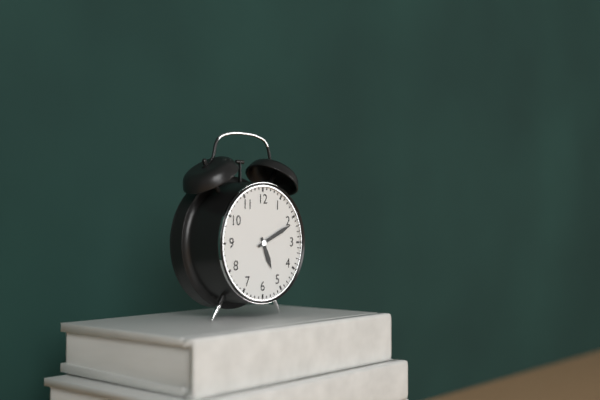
5:11
